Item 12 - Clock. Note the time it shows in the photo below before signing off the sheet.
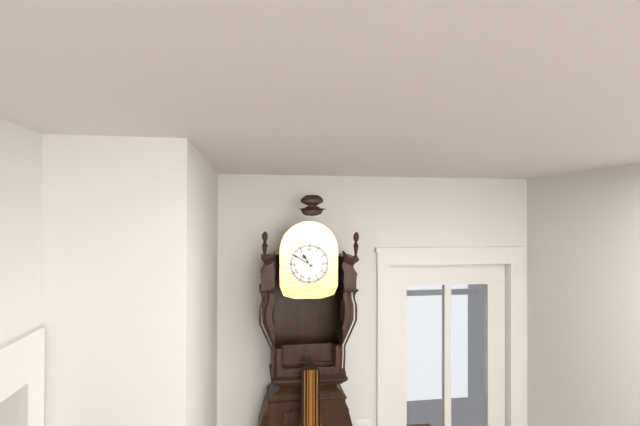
10:50
